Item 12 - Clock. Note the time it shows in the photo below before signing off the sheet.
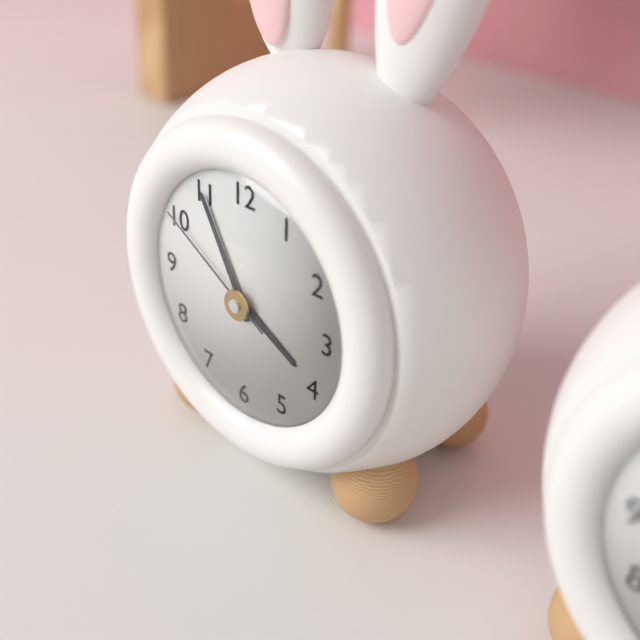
3:55:50
